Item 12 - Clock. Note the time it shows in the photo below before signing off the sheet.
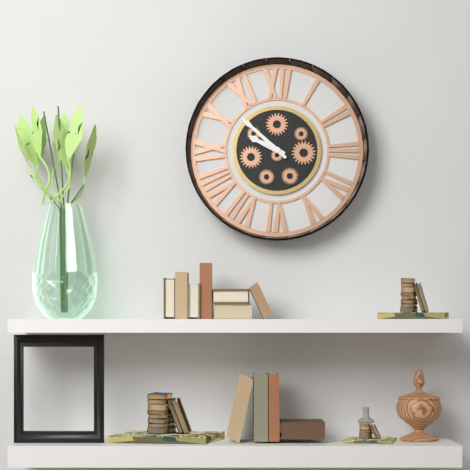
9:52
